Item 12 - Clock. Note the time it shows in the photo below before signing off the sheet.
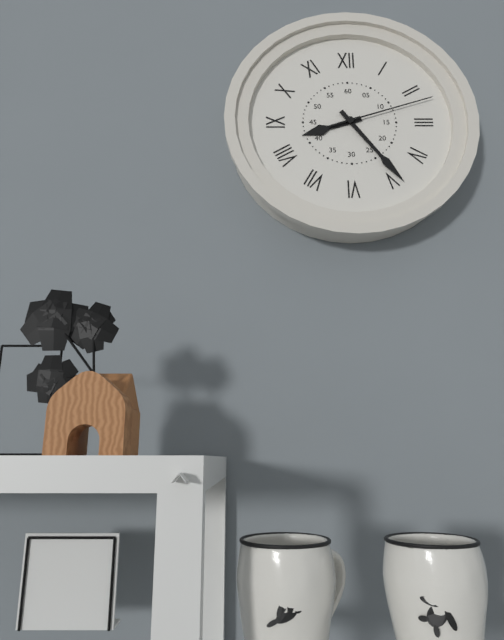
8:24:12
